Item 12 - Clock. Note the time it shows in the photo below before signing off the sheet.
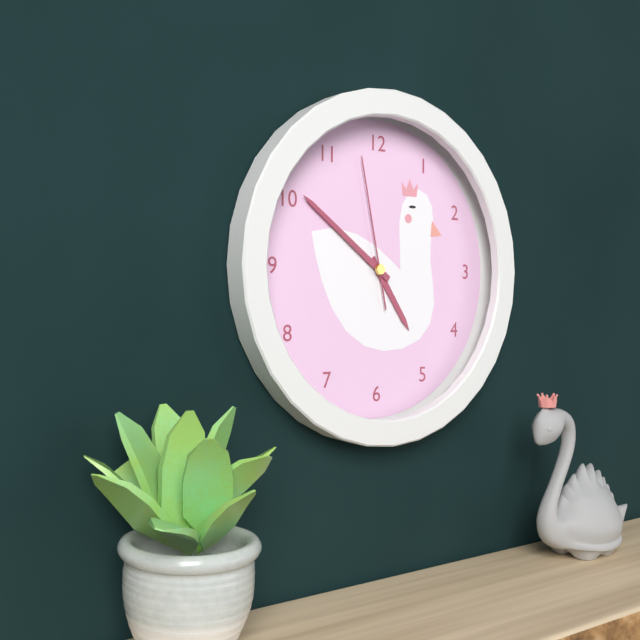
4:51:58
